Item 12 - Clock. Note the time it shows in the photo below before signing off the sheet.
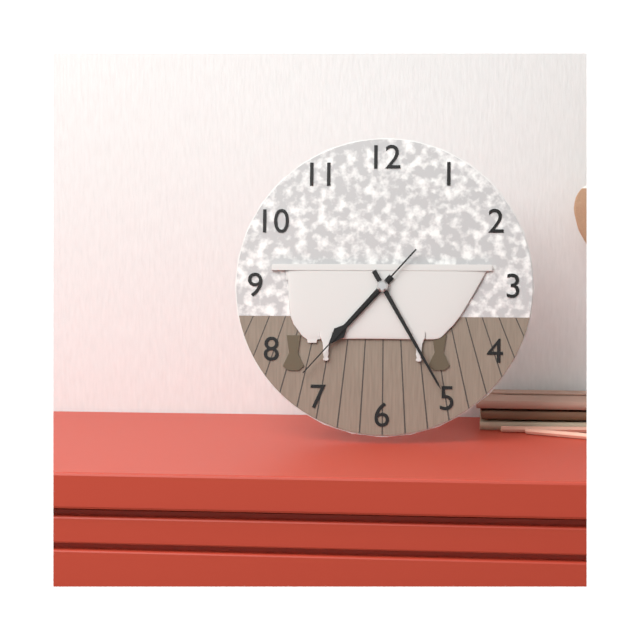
7:25:37
